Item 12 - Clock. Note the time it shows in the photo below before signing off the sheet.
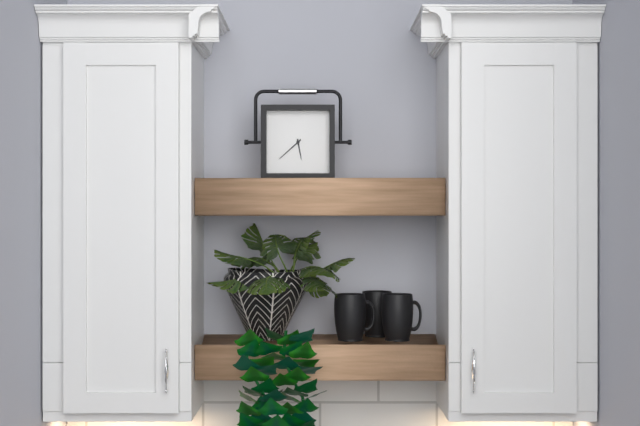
5:38
